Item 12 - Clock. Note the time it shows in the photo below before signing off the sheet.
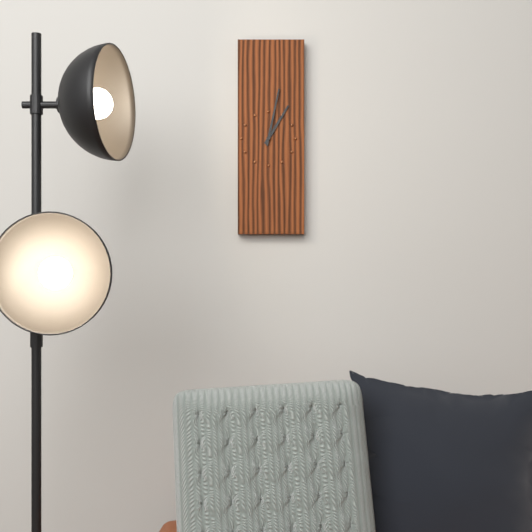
1:02
